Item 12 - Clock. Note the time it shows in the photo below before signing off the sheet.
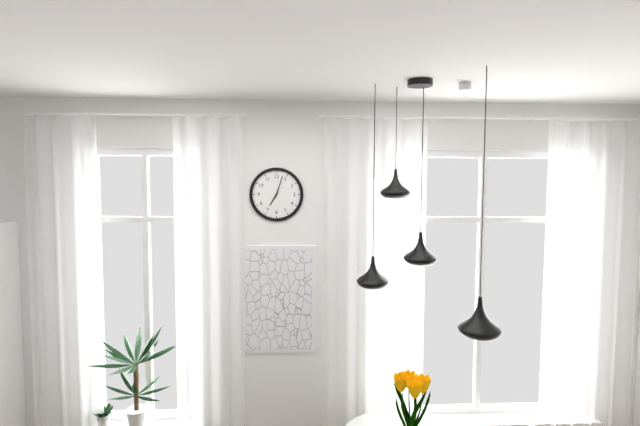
7:03
